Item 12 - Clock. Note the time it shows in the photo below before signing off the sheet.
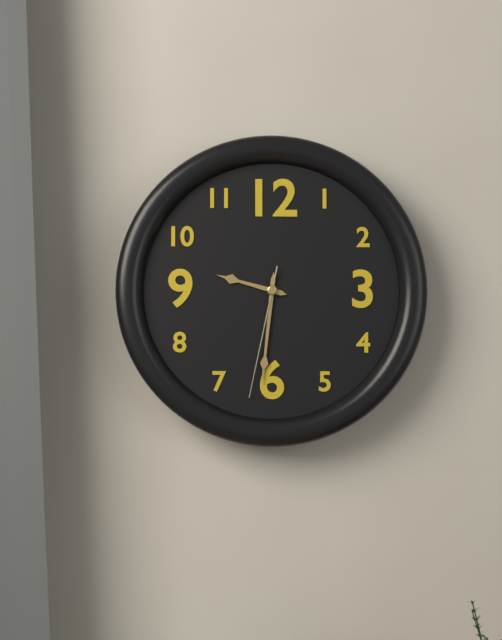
9:31:32
